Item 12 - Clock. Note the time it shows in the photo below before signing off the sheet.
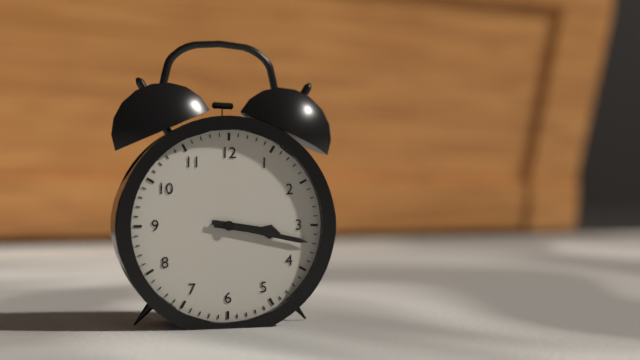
3:17
